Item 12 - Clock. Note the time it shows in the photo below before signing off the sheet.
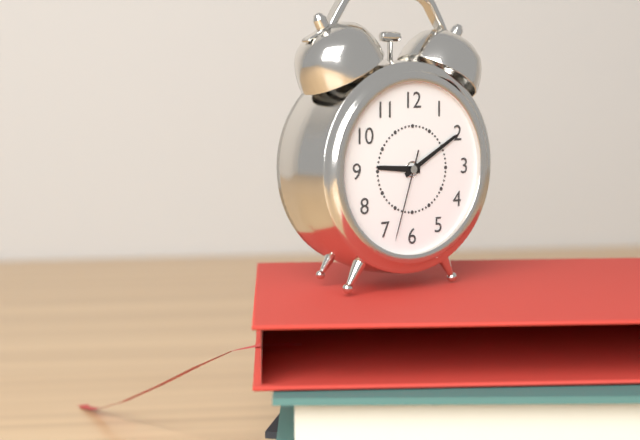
9:10:33
